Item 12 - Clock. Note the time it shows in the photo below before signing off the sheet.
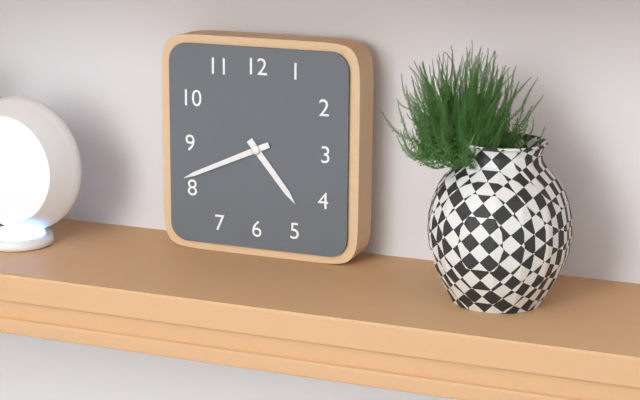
4:41
